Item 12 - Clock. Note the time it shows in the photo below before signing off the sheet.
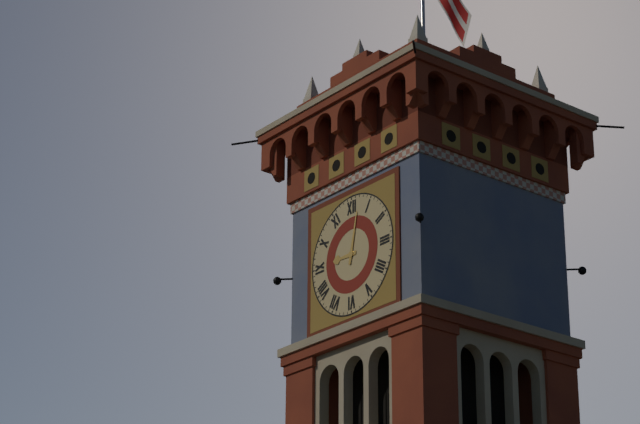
9:02
